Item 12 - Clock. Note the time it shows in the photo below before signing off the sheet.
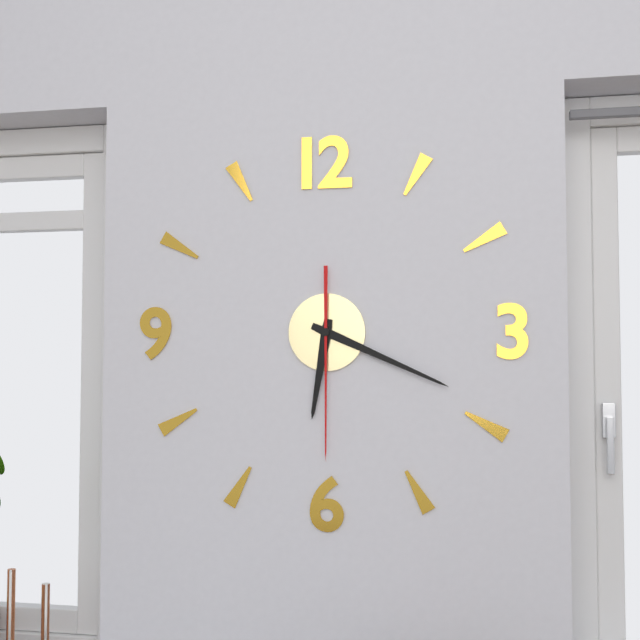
6:19:30
